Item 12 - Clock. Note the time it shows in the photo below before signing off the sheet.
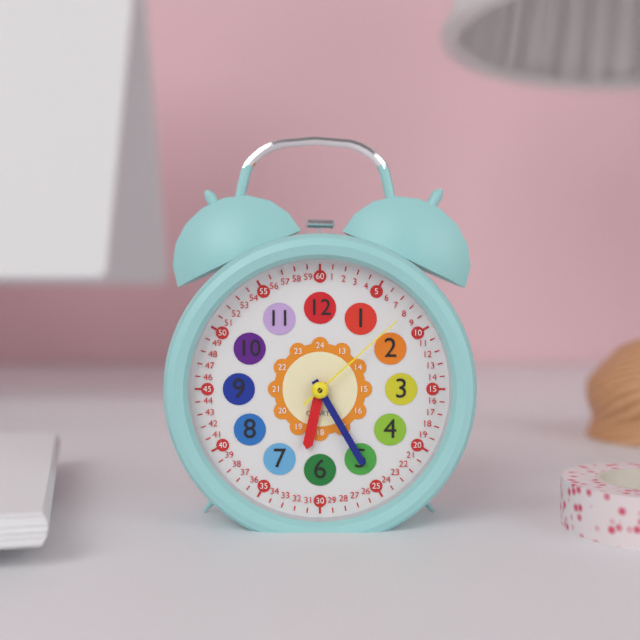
6:25:08
